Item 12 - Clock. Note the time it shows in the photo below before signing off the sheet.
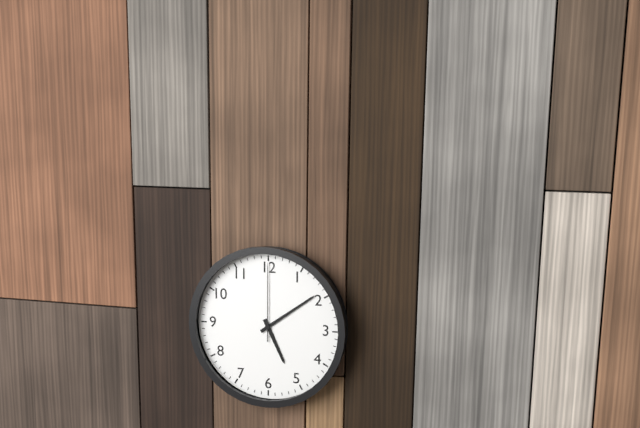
5:09:00
